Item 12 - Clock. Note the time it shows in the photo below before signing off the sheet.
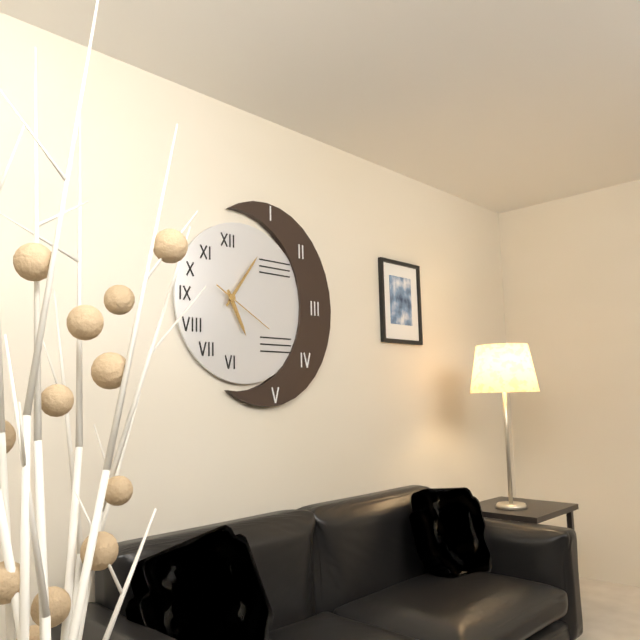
5:06:20
